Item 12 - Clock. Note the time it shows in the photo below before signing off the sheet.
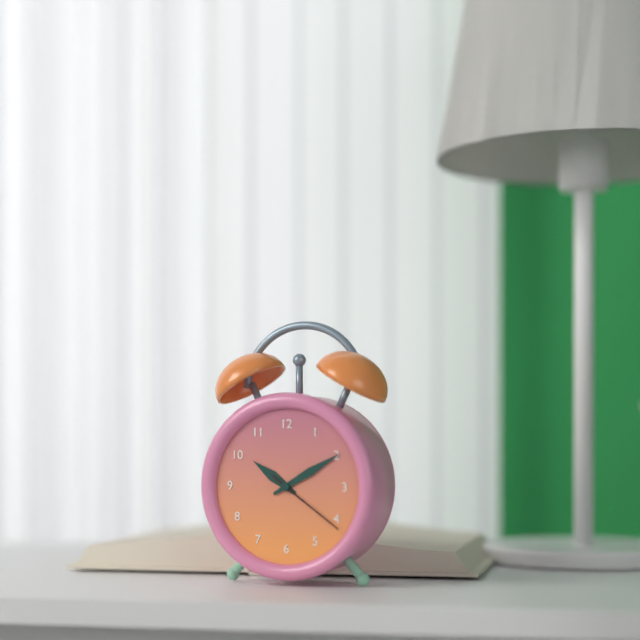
10:10:21
